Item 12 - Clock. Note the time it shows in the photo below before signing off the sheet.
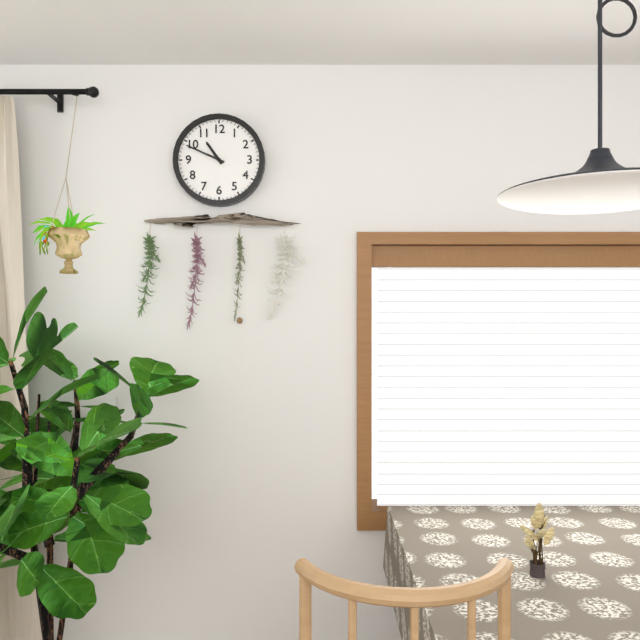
10:49
